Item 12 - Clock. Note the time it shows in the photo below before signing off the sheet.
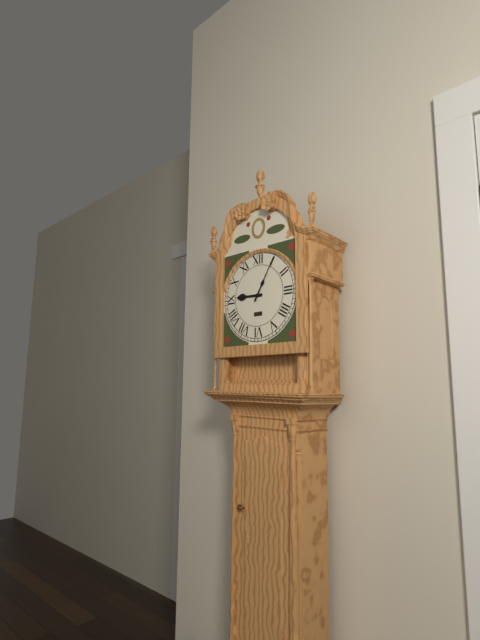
9:05
